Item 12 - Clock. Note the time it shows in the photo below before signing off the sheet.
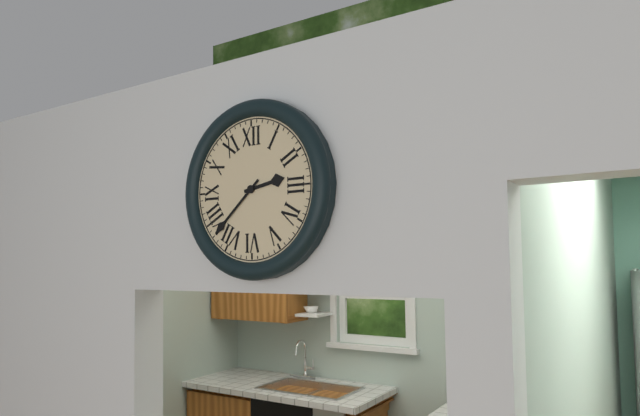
2:38
